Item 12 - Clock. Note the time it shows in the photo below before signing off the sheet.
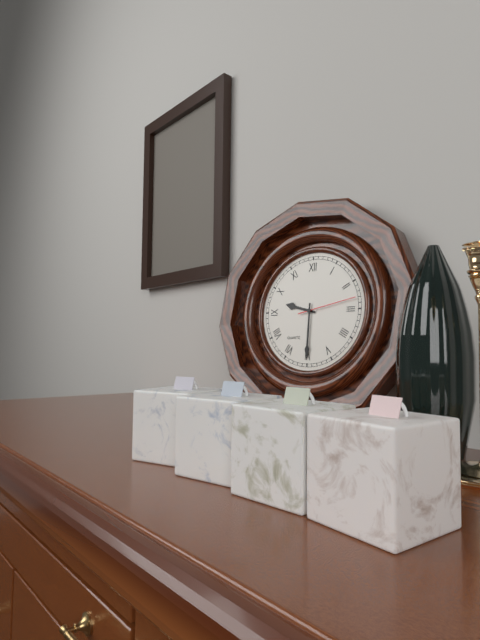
9:30:13
